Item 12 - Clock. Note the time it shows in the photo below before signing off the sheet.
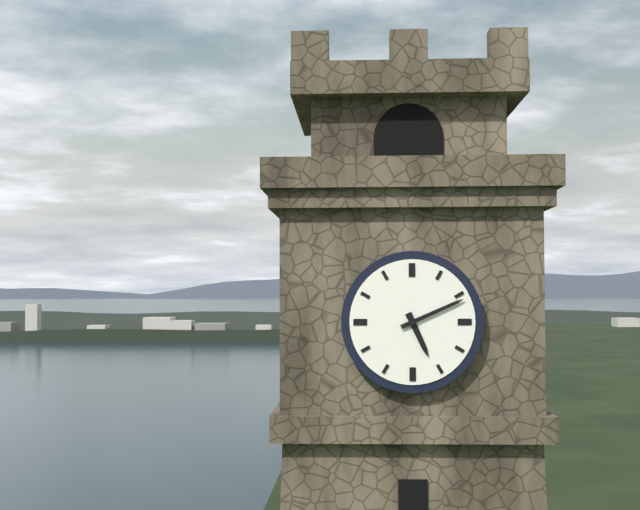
5:11
